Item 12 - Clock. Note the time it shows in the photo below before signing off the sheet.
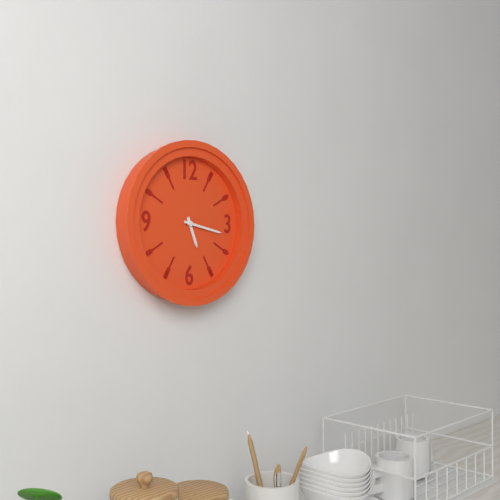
5:17
